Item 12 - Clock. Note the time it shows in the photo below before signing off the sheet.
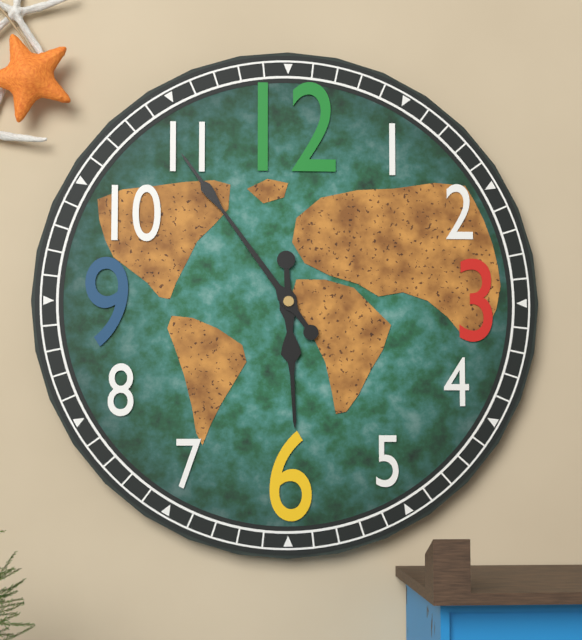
5:54
